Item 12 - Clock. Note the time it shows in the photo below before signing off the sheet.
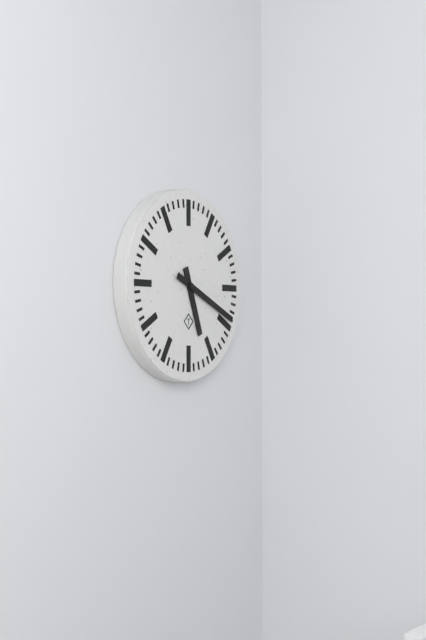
5:19
